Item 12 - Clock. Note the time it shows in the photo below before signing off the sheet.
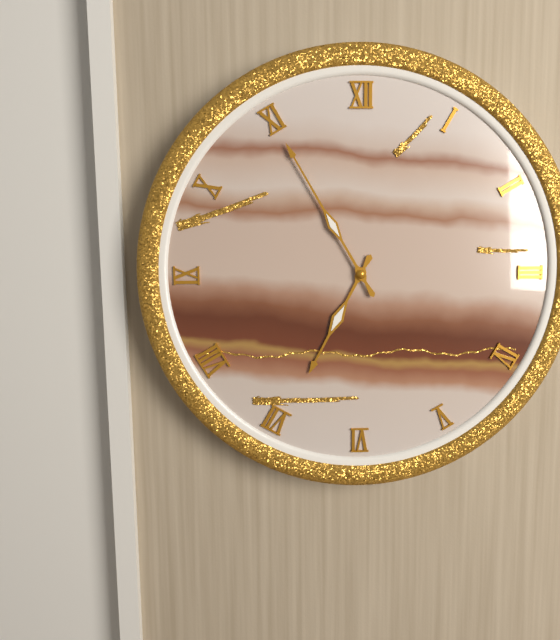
6:55
